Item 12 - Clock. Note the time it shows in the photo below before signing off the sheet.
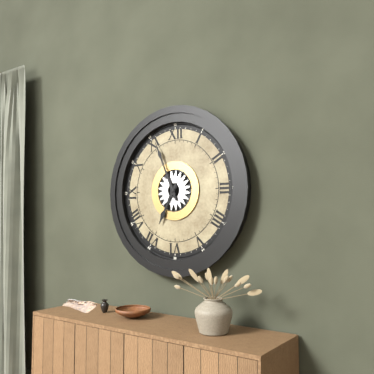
6:56
